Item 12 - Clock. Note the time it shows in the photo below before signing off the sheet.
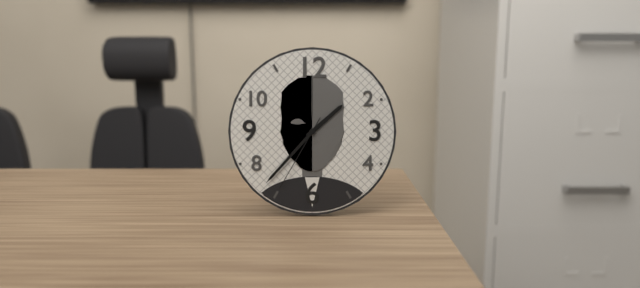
1:37:35
